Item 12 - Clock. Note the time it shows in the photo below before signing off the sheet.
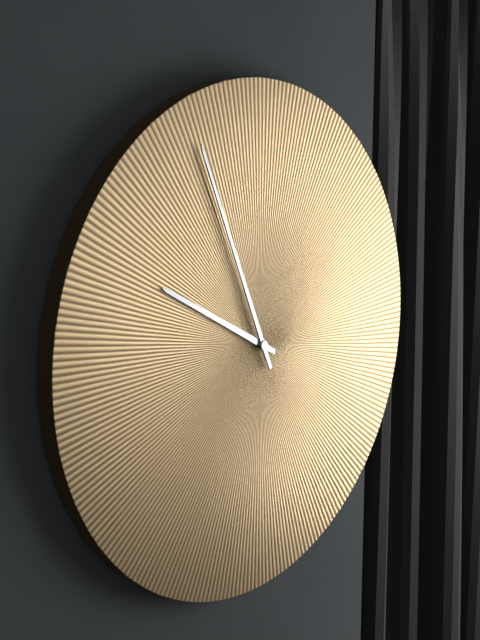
9:56
